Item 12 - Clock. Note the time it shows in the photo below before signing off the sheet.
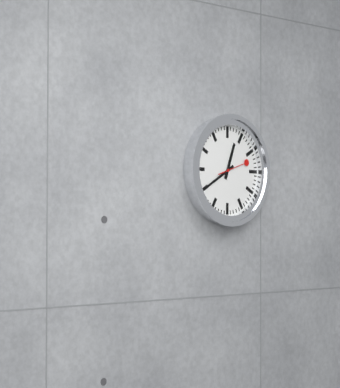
12:40
